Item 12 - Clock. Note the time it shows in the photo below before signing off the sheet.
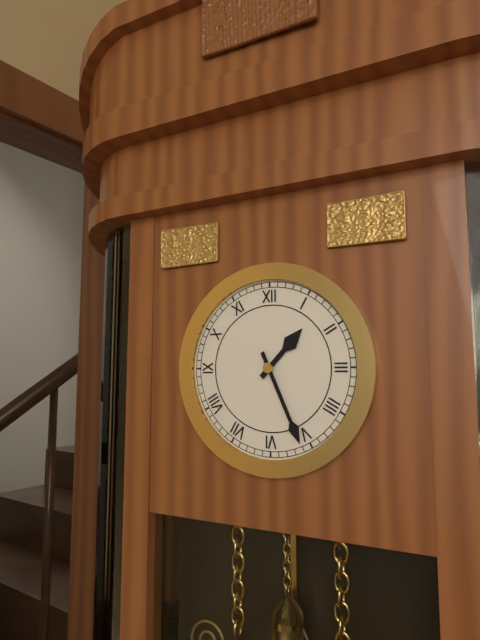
1:26
